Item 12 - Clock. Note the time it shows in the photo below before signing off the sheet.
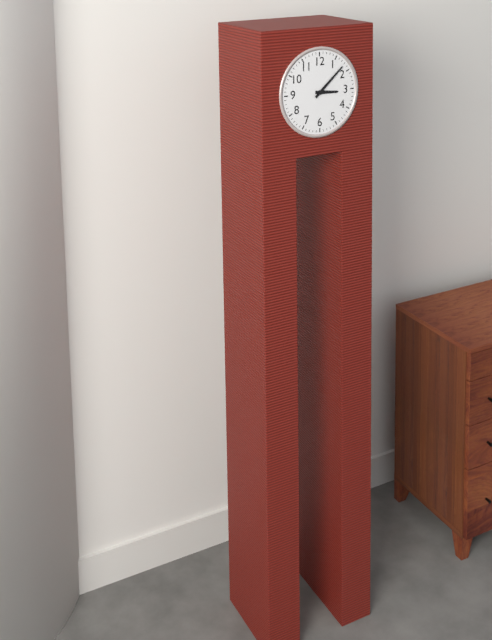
3:08
